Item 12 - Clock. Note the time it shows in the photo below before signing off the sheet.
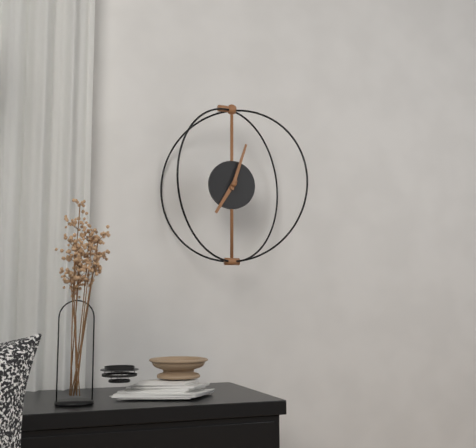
7:03
